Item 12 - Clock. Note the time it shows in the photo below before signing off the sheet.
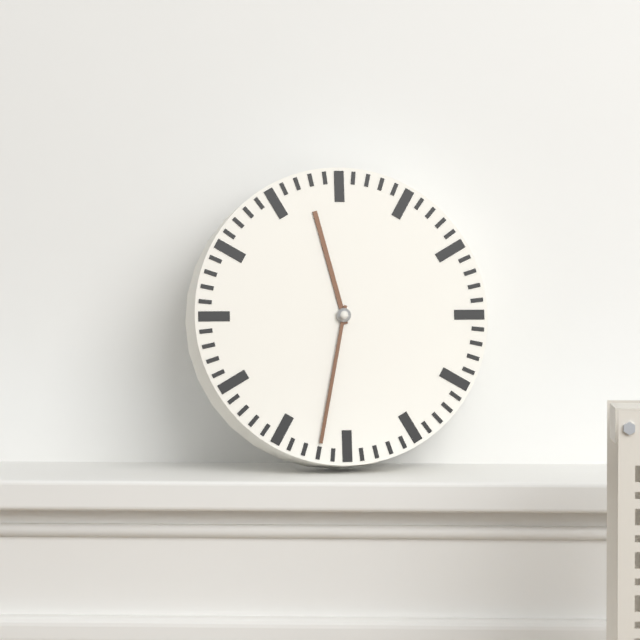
11:32
